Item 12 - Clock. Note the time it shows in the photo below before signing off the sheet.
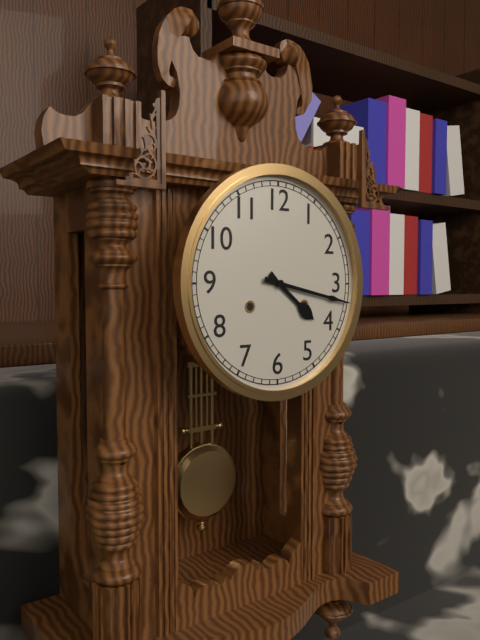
4:17
